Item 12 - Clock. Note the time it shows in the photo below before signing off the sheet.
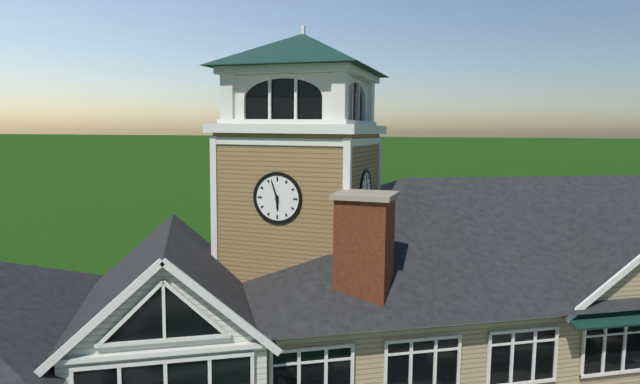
5:57
